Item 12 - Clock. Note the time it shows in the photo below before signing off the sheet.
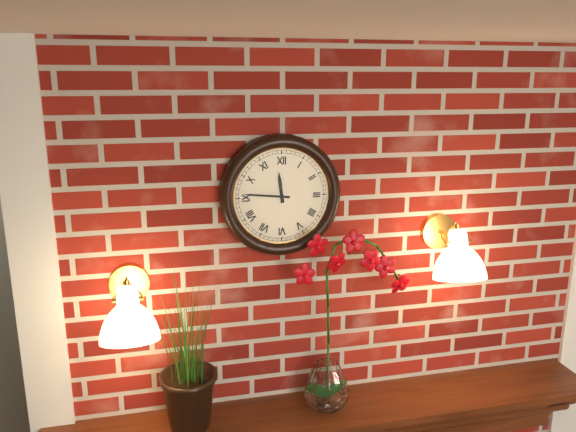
11:46
